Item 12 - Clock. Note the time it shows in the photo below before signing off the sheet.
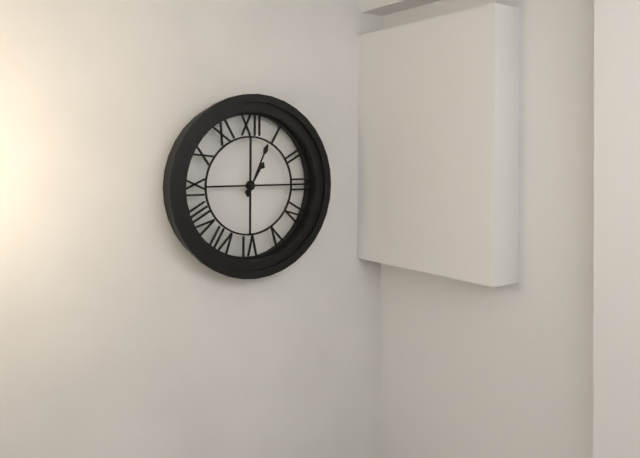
1:04
